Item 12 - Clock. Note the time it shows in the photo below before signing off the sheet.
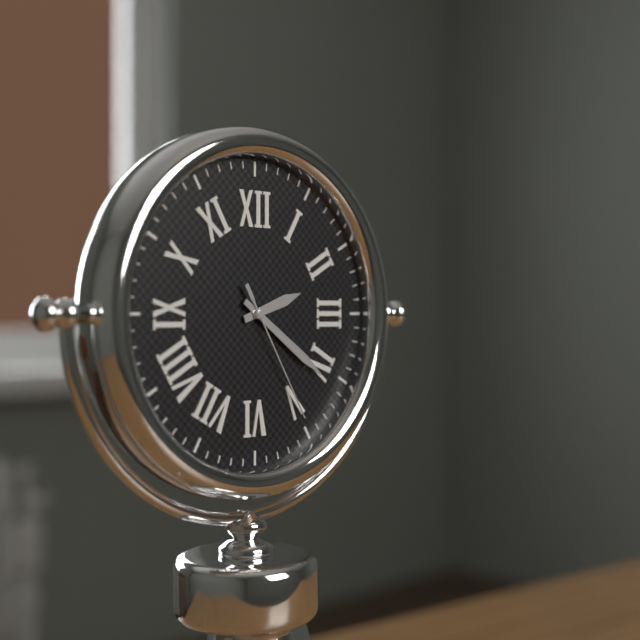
2:21:25
